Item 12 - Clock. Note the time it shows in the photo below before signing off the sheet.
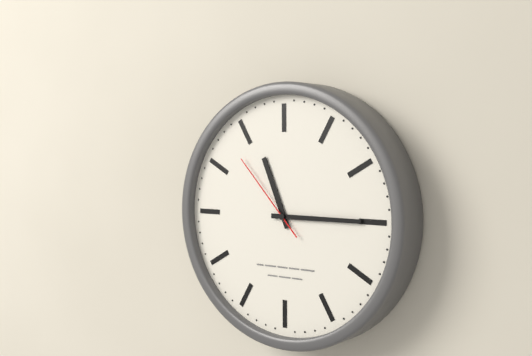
11:15:53
